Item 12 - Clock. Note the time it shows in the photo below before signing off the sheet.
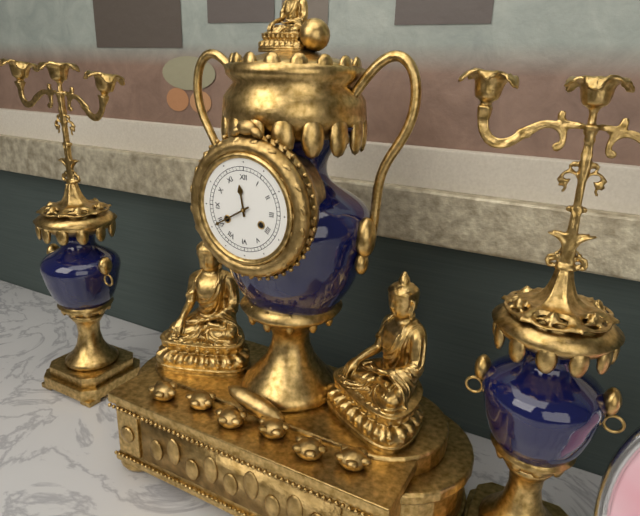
11:40
